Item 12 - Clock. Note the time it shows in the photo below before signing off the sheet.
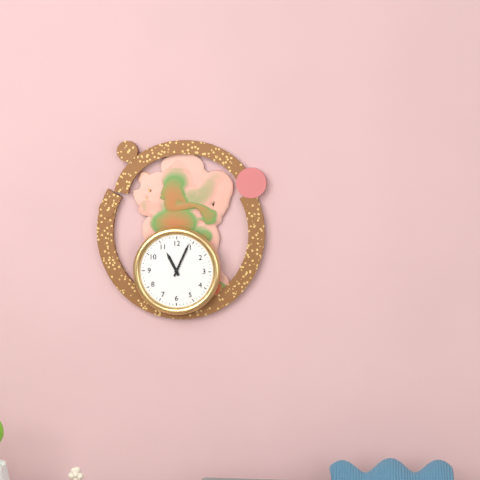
11:04
